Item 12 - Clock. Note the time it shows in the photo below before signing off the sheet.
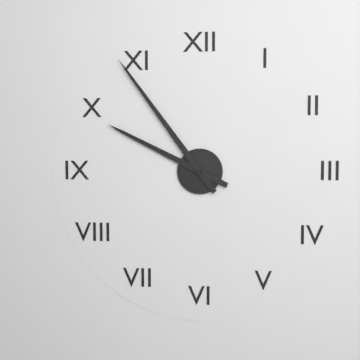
9:54
